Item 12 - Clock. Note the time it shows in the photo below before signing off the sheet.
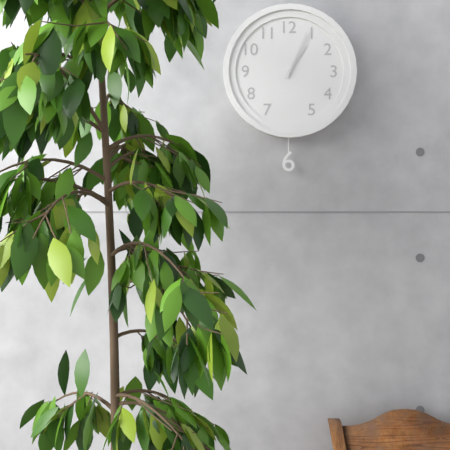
1:04
